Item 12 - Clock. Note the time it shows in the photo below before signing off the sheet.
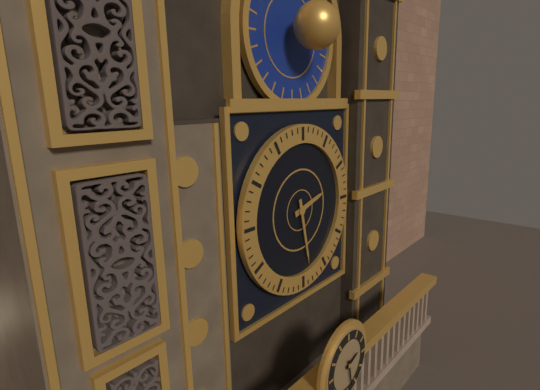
2:28
